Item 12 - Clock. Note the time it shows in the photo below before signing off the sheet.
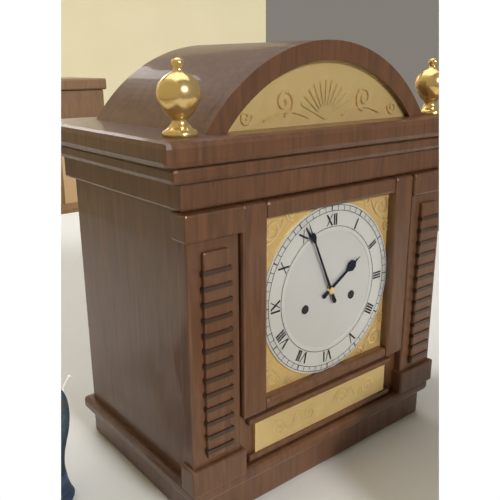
1:56
